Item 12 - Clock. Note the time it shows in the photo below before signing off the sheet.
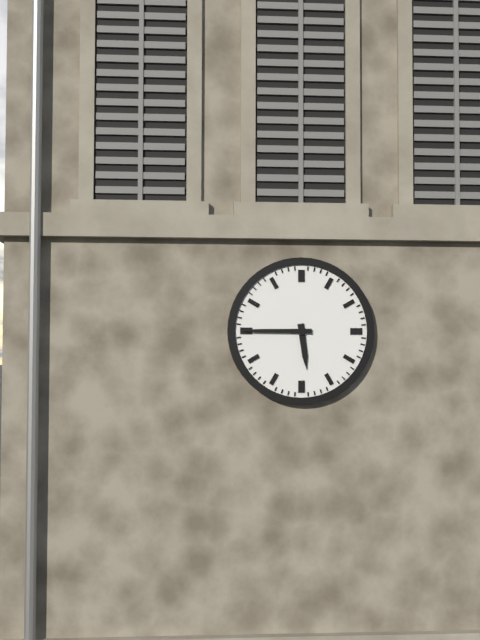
5:45
